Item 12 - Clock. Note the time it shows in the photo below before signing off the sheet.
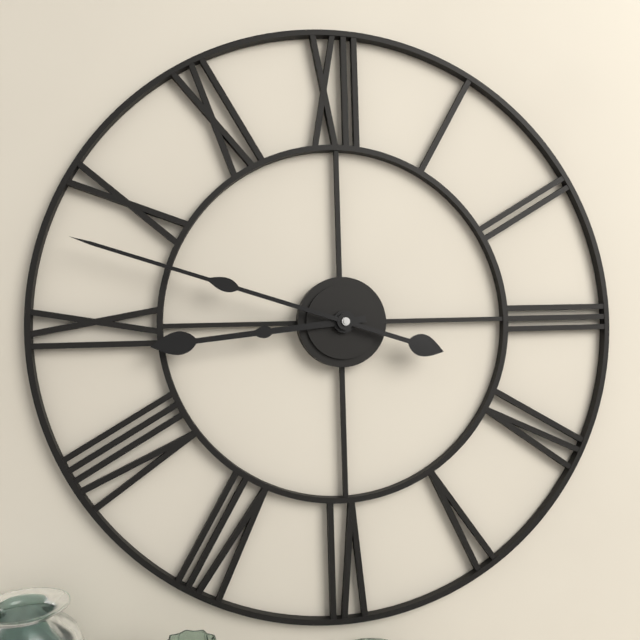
8:48
